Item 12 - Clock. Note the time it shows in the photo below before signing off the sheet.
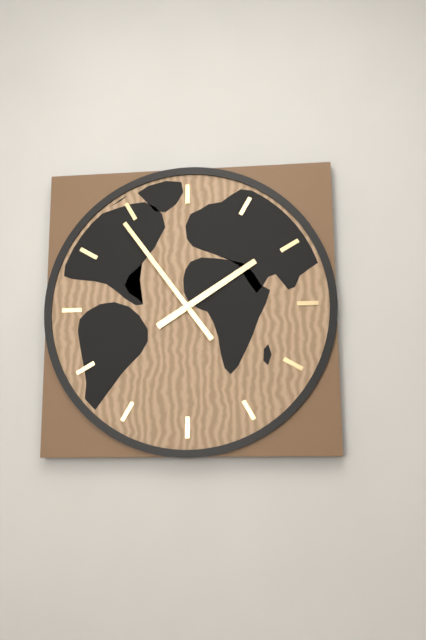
1:54
